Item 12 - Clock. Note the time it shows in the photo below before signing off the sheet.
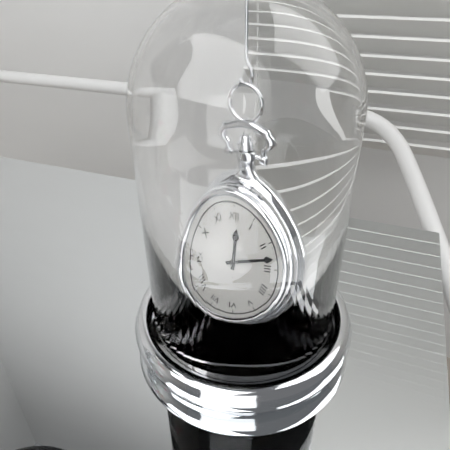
12:13
